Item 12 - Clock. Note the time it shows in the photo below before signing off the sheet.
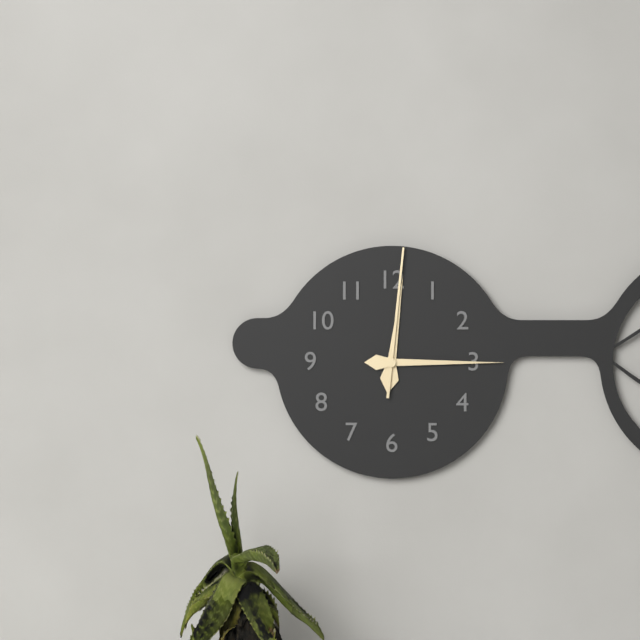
12:15:01
